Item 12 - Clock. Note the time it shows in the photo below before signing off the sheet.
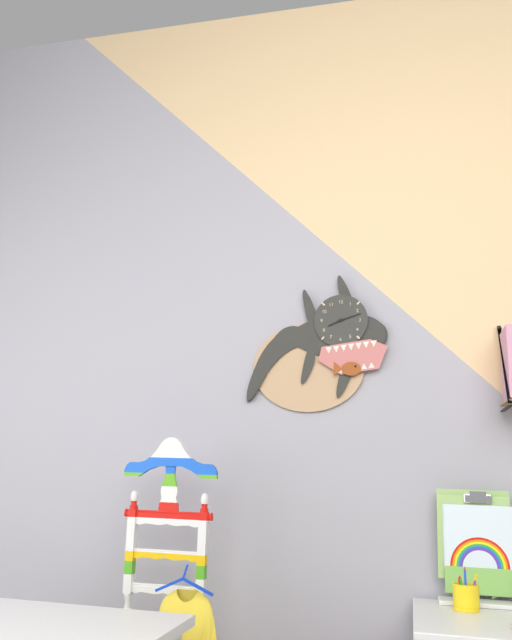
8:12
